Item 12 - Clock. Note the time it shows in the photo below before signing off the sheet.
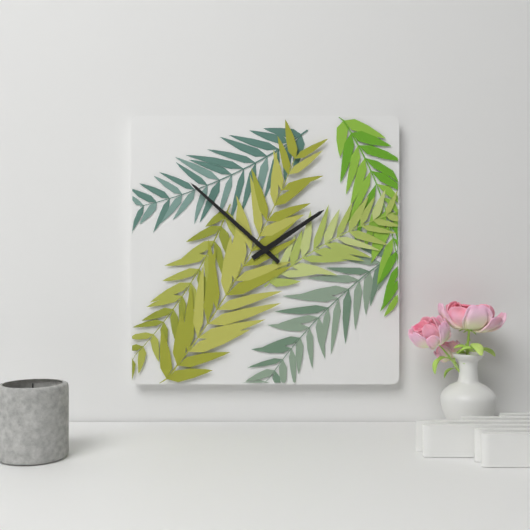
1:52
